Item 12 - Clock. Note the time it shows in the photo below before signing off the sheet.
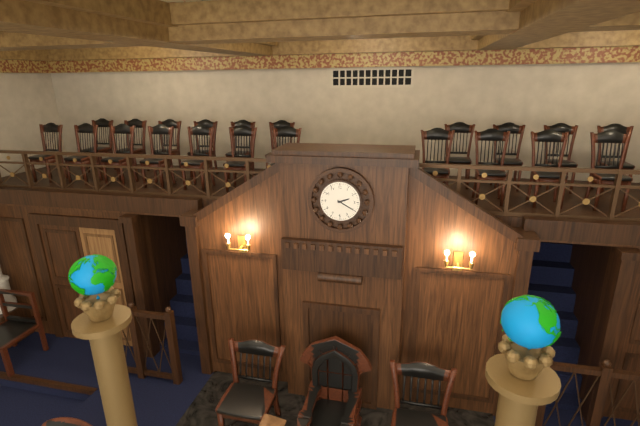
2:20
